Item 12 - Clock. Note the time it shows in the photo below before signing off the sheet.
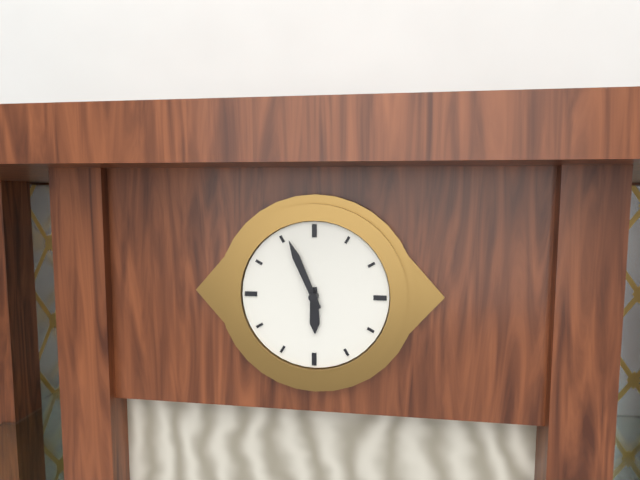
5:56
